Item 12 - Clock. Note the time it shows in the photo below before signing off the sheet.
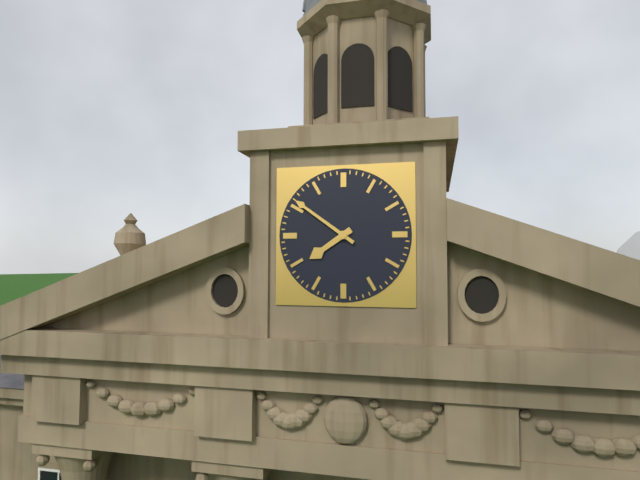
7:51
